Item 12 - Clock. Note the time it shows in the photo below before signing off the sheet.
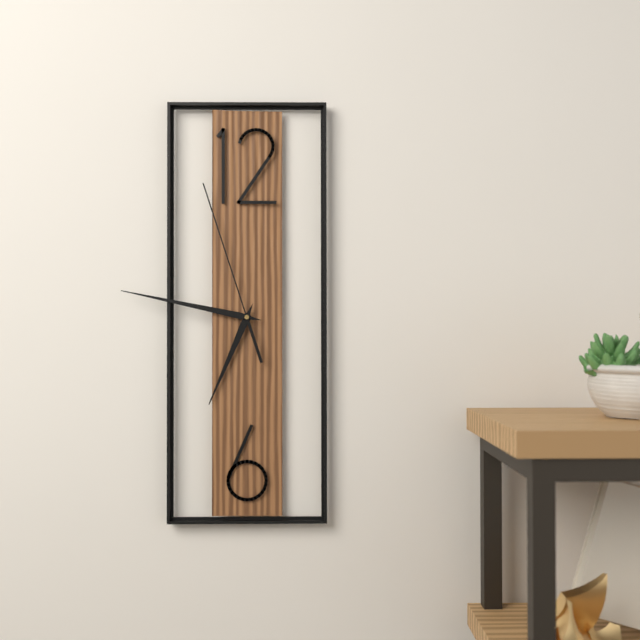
6:47:57
